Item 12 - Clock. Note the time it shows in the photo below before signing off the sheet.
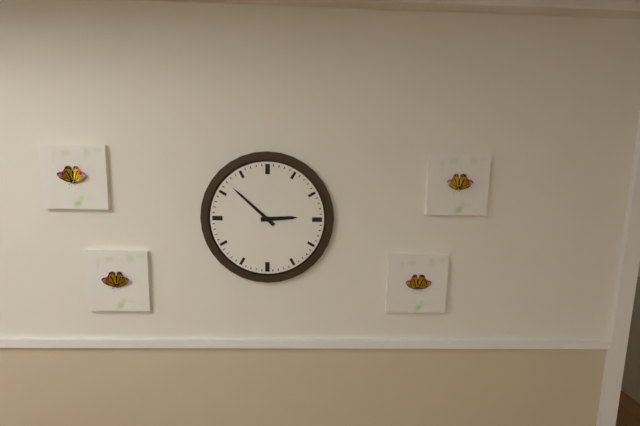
2:52
